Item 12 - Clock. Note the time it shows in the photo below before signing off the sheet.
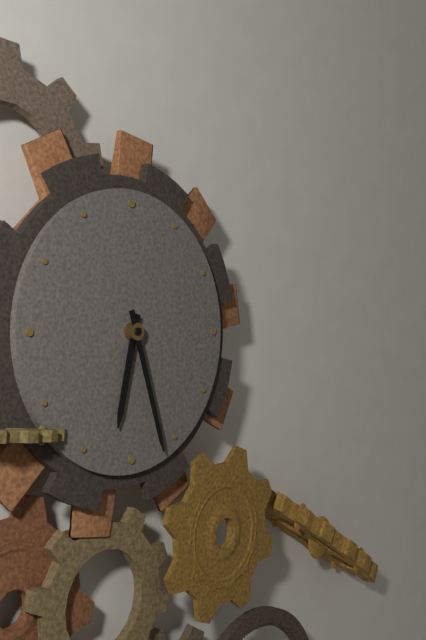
6:27
